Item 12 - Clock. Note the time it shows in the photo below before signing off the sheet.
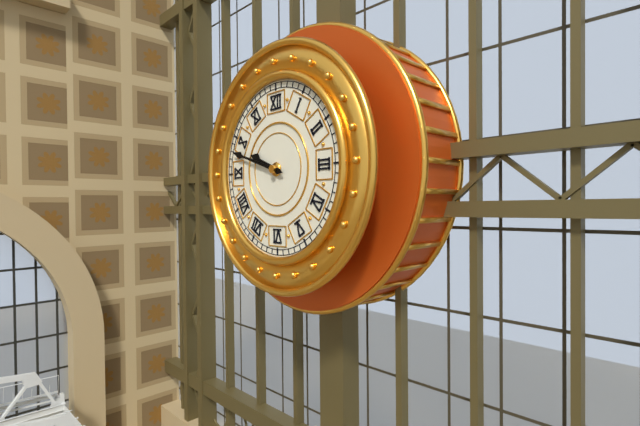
9:48
